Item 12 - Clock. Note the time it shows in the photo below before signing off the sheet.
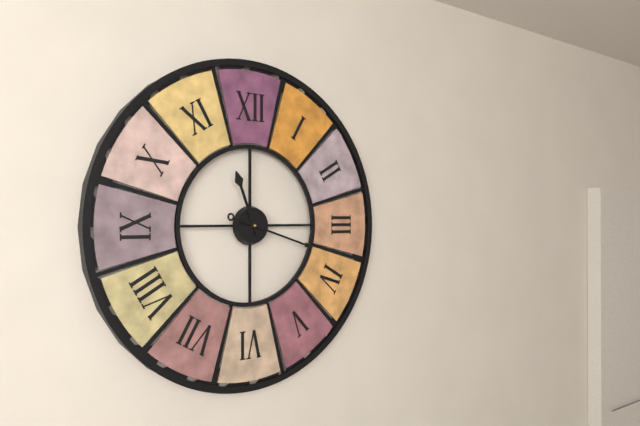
11:18
